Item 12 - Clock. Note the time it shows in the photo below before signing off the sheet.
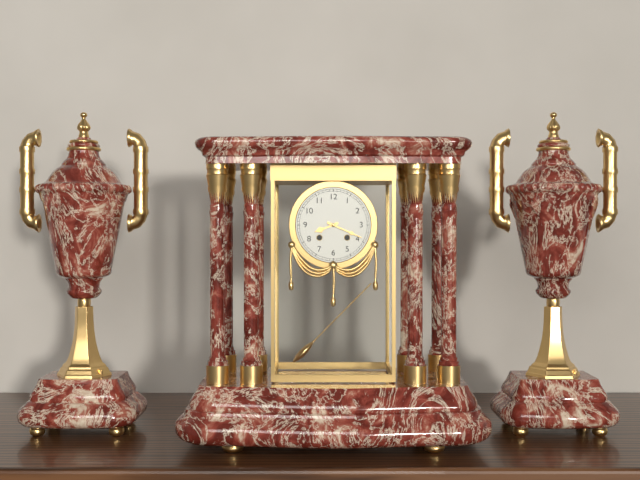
8:19
